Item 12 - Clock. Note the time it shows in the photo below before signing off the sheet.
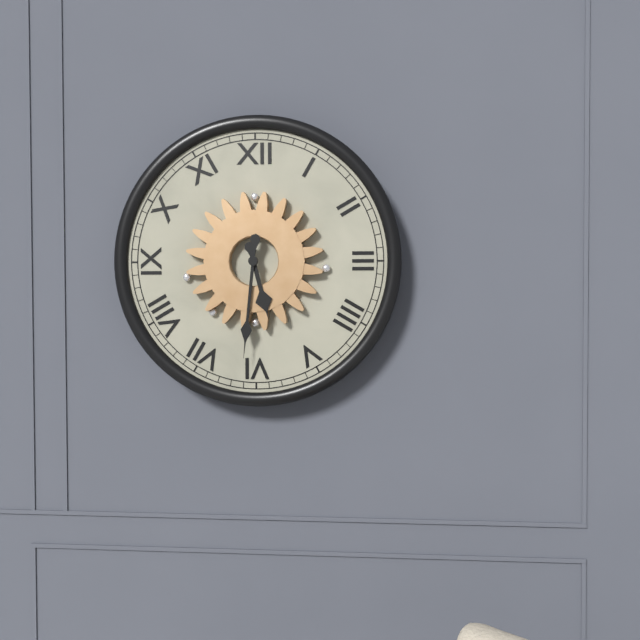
5:31
